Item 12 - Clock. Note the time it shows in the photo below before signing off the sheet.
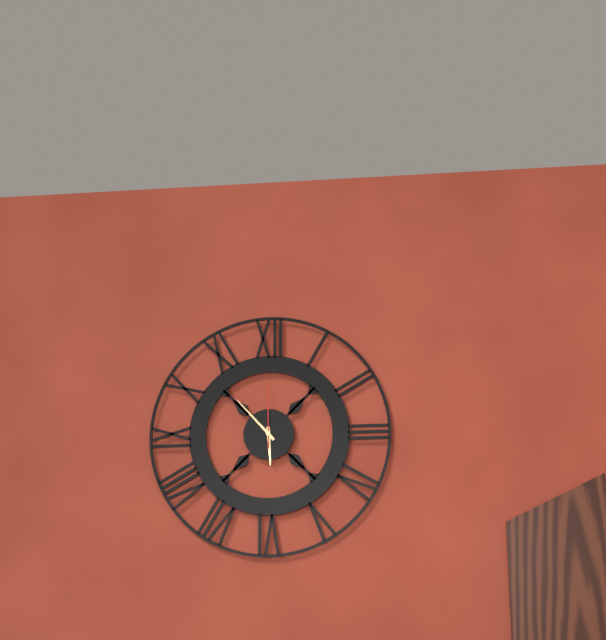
5:53:00
